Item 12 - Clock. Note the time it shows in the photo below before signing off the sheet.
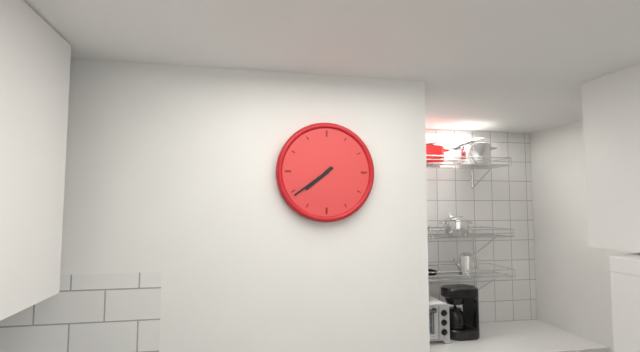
7:39
